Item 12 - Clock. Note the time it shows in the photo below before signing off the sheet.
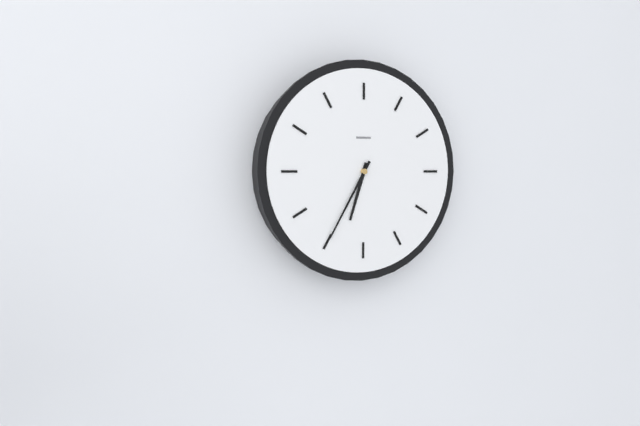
6:35
